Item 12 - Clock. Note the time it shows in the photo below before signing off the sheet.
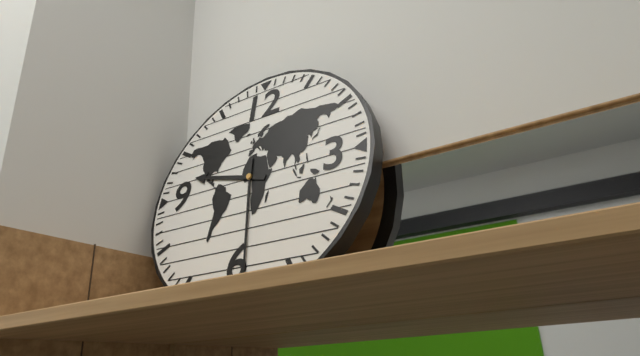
9:29
